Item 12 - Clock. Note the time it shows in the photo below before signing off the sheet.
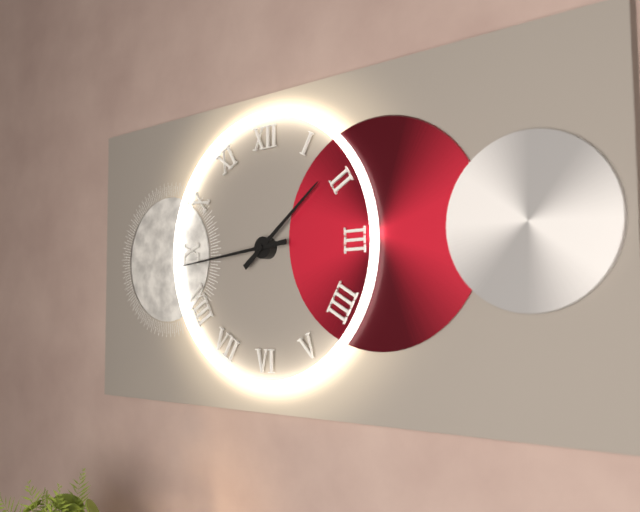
1:44
